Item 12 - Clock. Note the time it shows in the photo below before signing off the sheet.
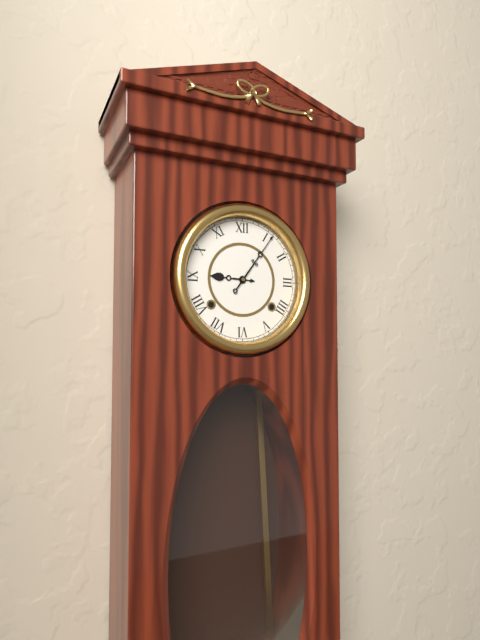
9:06
